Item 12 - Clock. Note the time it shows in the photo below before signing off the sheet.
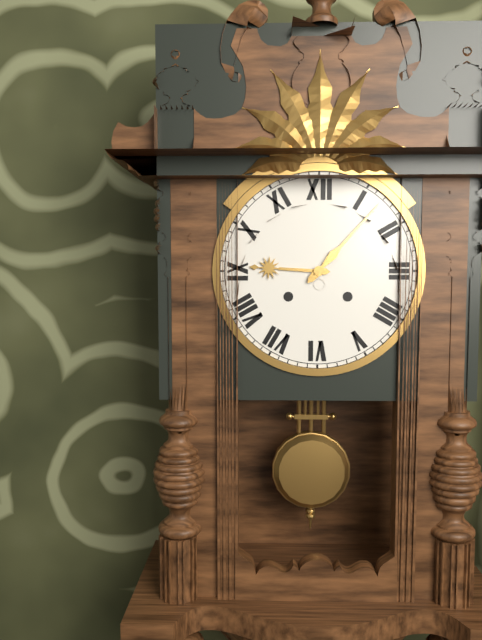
9:07
